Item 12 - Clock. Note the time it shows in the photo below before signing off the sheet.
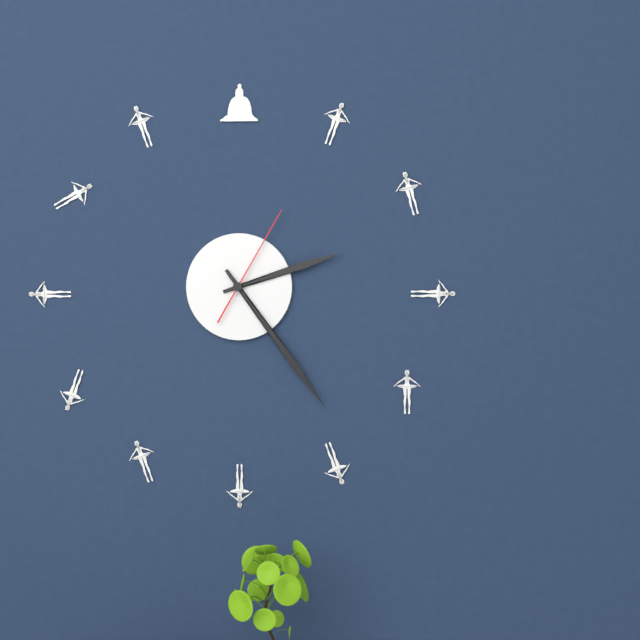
2:24:05
